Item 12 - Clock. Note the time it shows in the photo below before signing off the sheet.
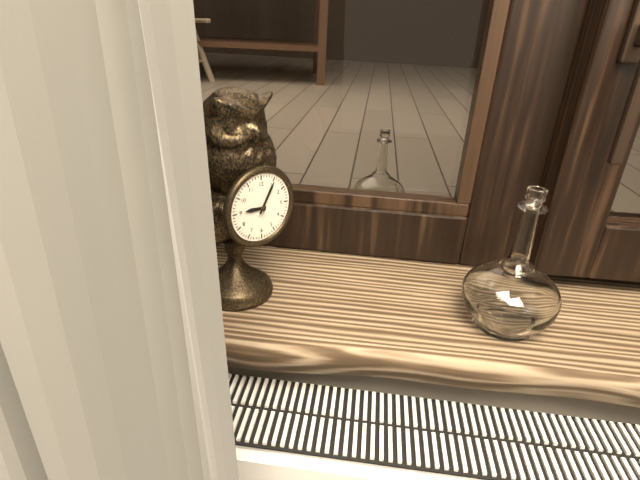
9:05
